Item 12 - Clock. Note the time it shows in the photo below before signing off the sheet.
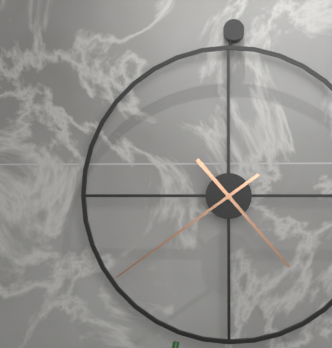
4:39
